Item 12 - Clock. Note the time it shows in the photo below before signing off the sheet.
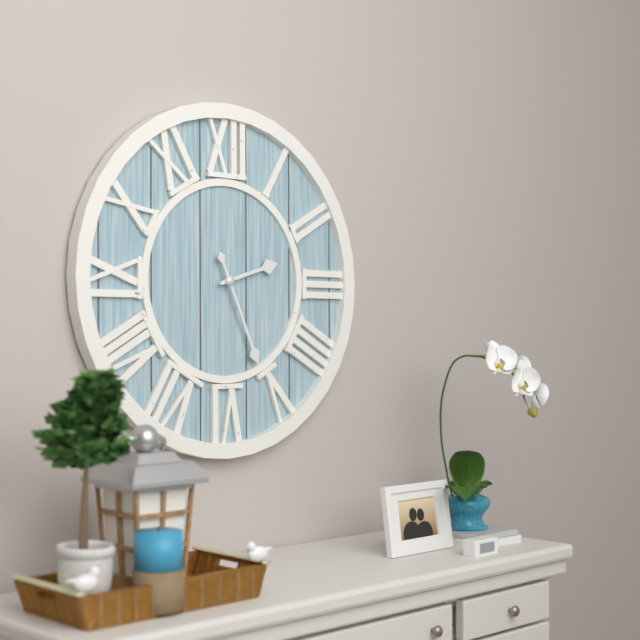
2:26
